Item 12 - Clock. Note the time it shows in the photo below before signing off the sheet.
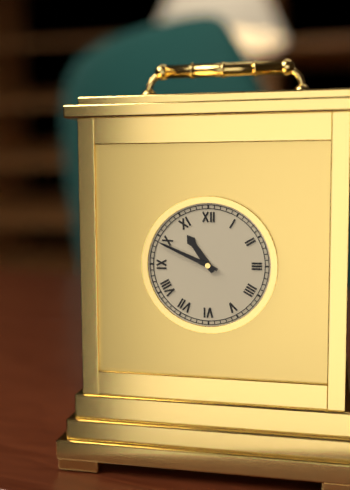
10:49
